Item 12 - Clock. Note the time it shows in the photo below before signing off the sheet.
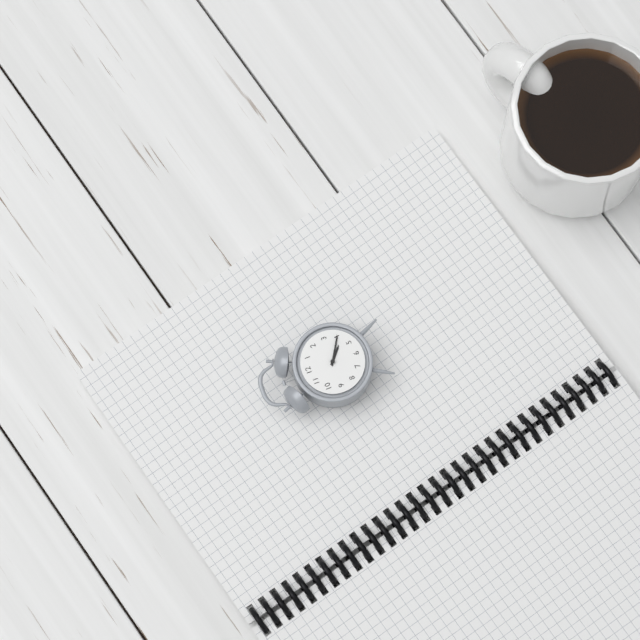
4:20
